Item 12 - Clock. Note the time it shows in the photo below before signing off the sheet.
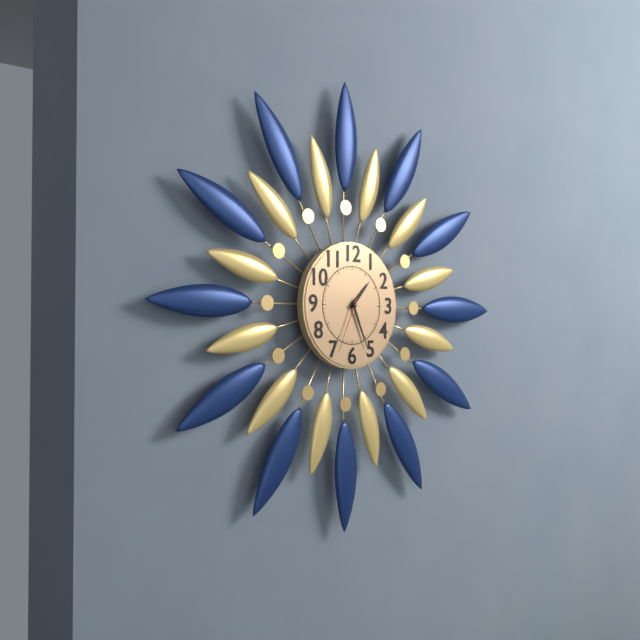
1:26:34
